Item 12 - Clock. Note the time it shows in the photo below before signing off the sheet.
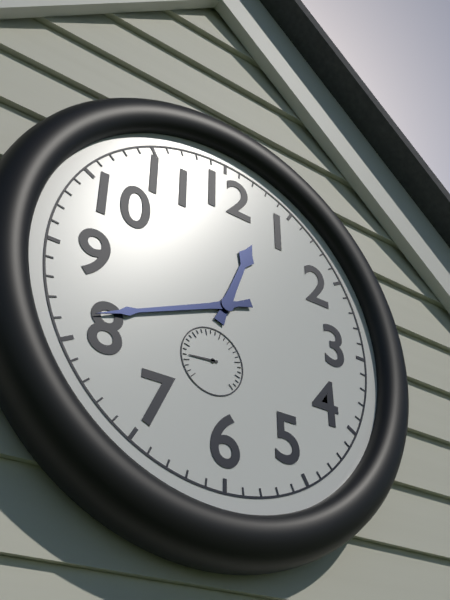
12:41
